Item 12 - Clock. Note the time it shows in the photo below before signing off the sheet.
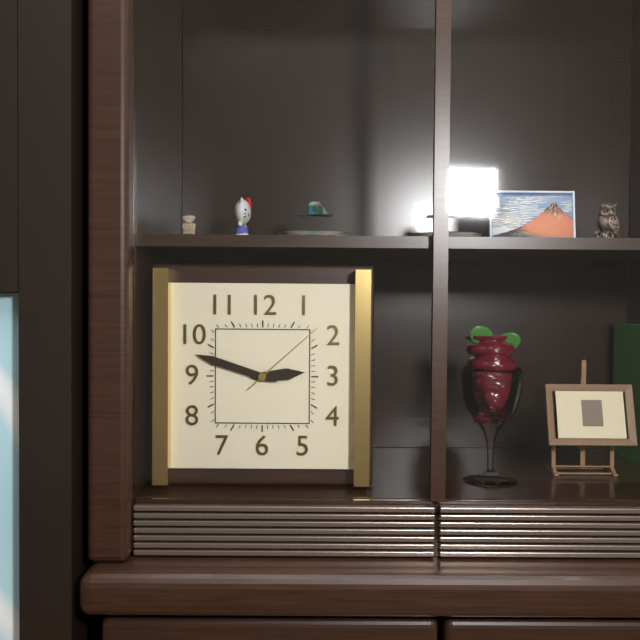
2:48:08
